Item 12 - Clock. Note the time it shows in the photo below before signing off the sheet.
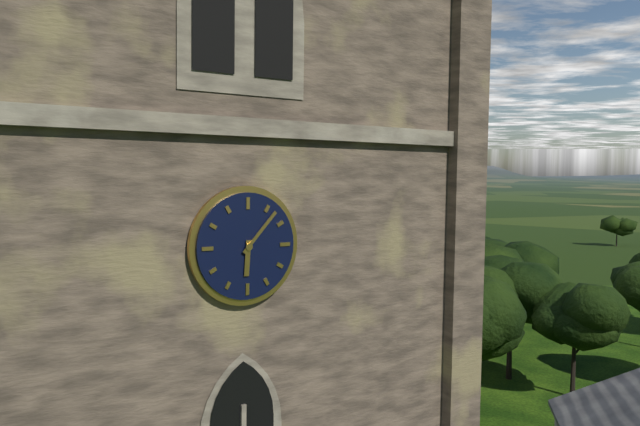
6:07
